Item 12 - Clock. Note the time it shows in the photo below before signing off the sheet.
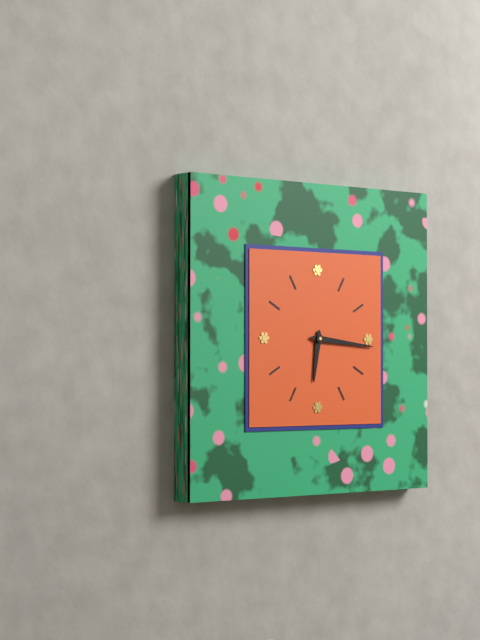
6:16
